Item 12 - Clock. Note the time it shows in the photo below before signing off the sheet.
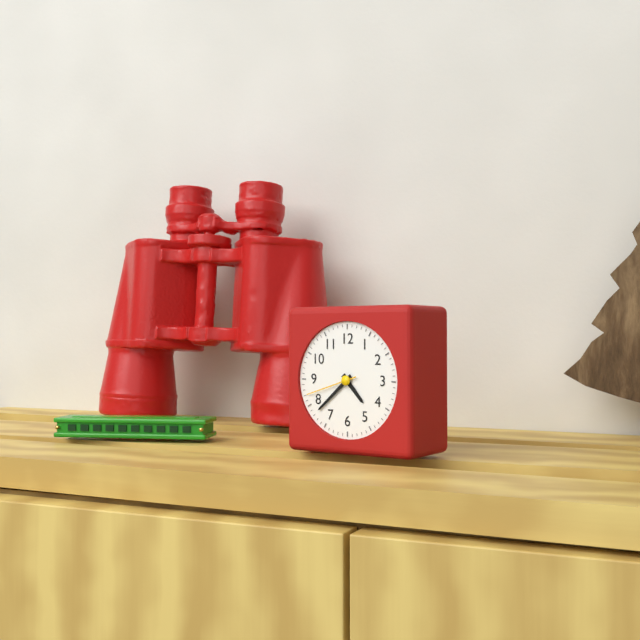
4:38:42
